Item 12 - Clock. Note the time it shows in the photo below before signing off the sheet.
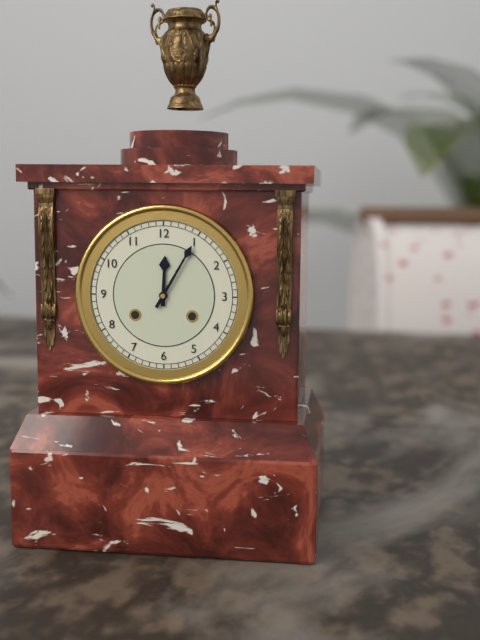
12:05
